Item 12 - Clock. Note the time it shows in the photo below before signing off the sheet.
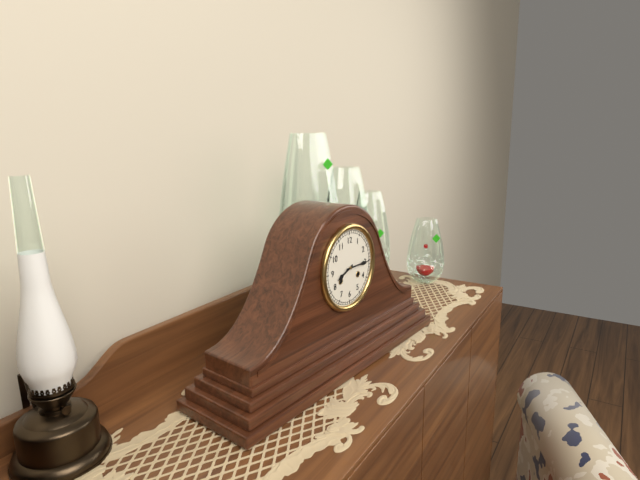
8:15
